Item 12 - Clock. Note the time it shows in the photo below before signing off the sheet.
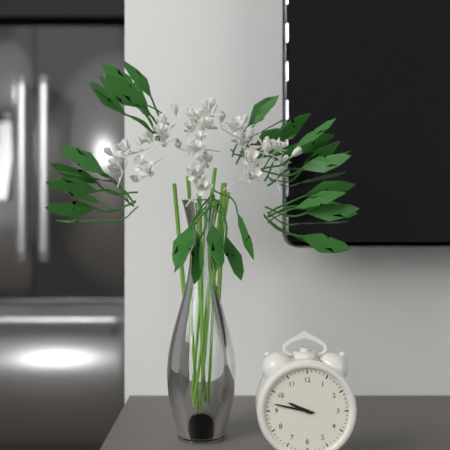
9:47
